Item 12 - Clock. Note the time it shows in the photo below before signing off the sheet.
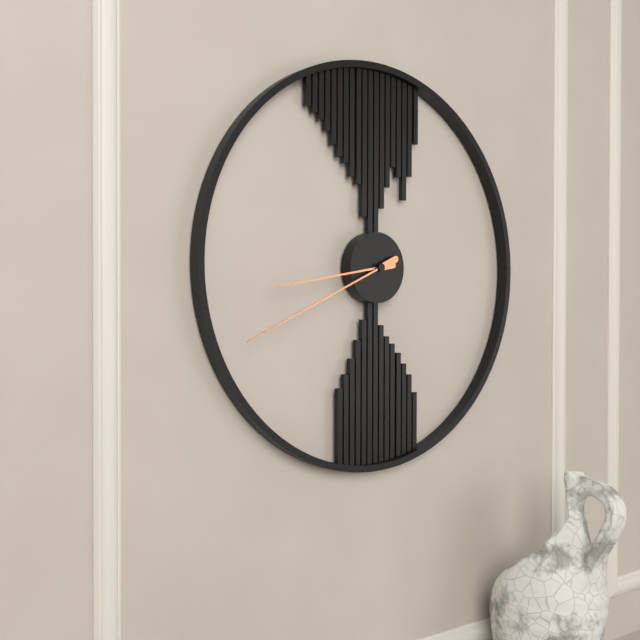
8:41
